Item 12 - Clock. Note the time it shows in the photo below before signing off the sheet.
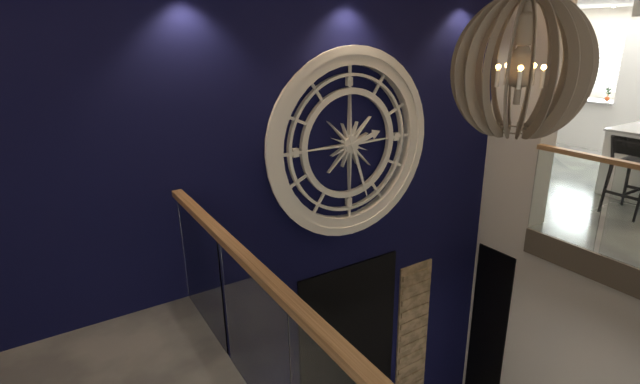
2:27
